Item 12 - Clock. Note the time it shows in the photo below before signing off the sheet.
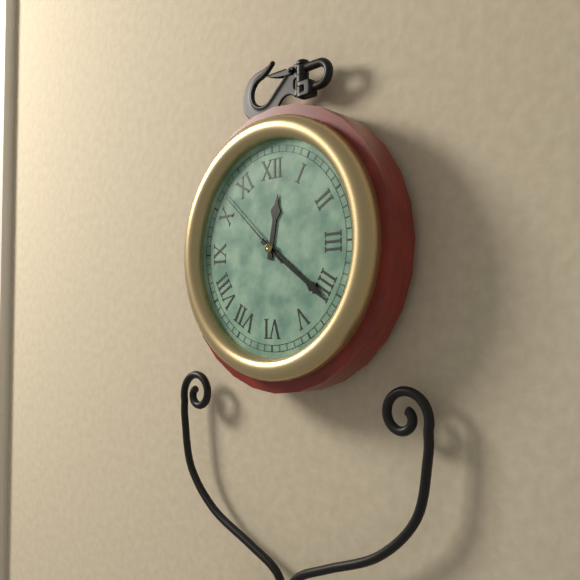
12:21:52
